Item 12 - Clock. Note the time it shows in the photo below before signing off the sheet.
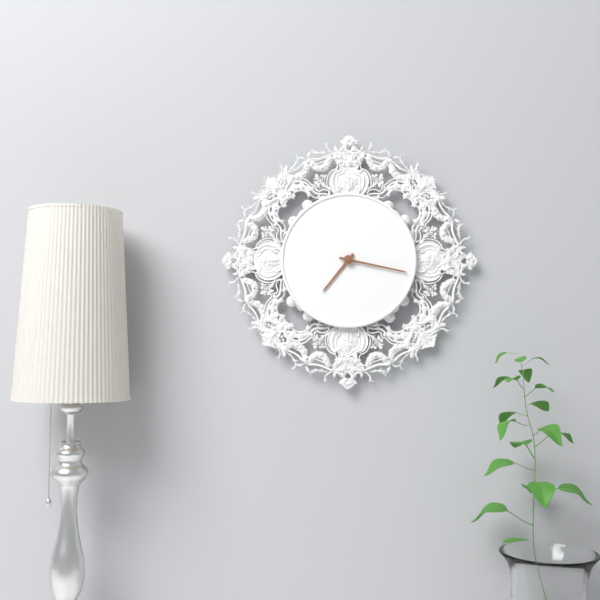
7:17
